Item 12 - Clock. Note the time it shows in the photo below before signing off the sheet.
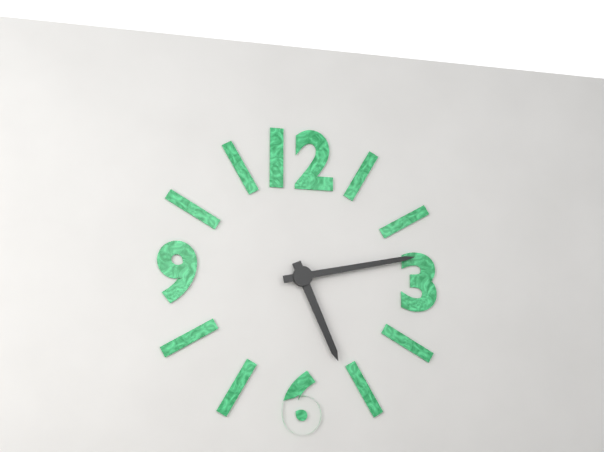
5:13
